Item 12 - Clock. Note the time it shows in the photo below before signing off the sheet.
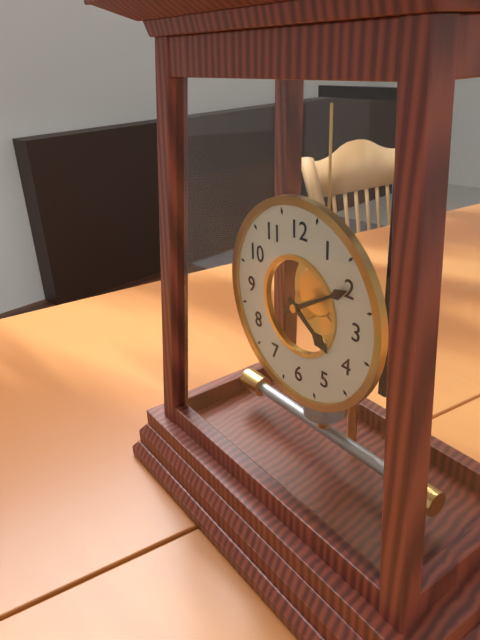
4:10
